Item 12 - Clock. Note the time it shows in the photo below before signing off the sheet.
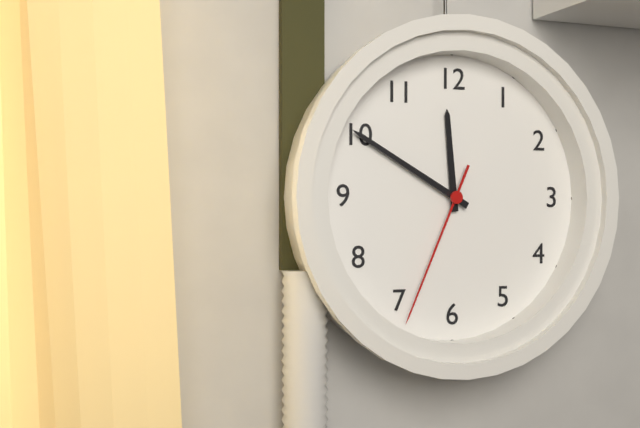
11:50:34
